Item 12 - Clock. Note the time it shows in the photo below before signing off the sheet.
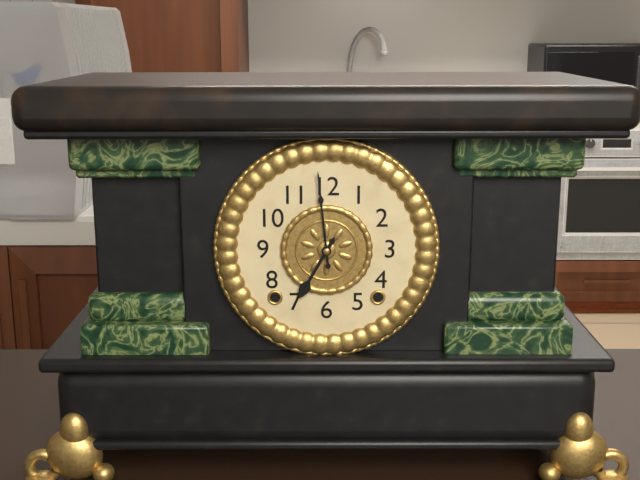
6:59
